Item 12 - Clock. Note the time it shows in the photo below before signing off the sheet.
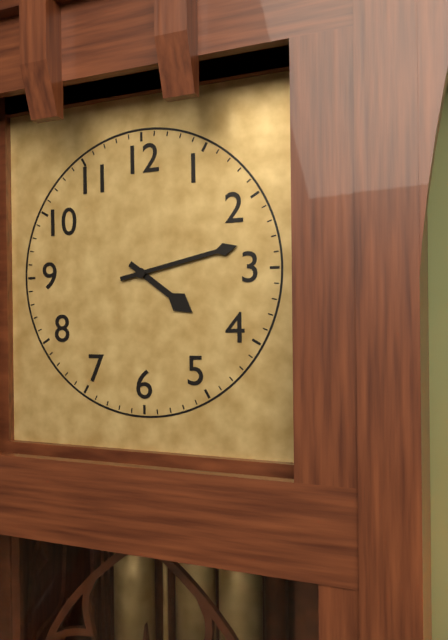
4:13
